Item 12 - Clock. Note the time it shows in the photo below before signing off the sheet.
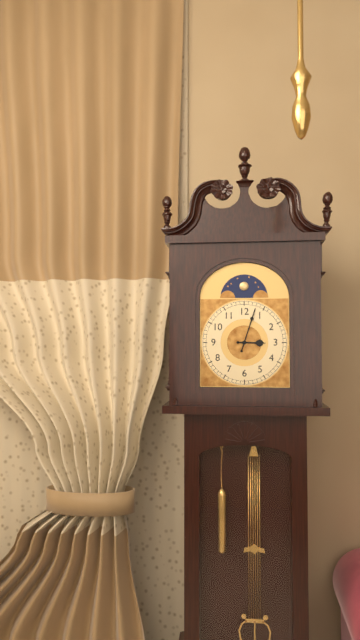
3:03
